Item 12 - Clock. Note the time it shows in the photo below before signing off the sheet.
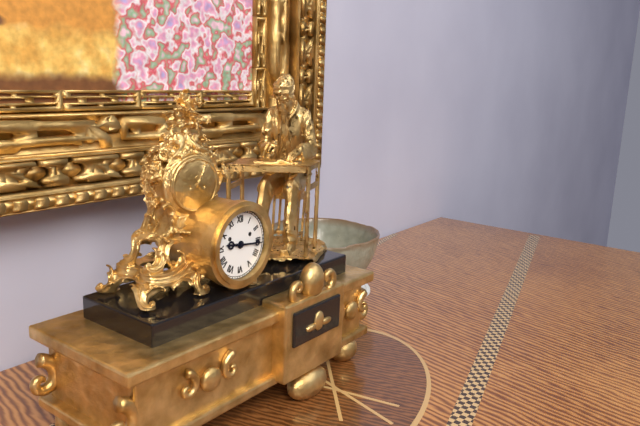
9:16
